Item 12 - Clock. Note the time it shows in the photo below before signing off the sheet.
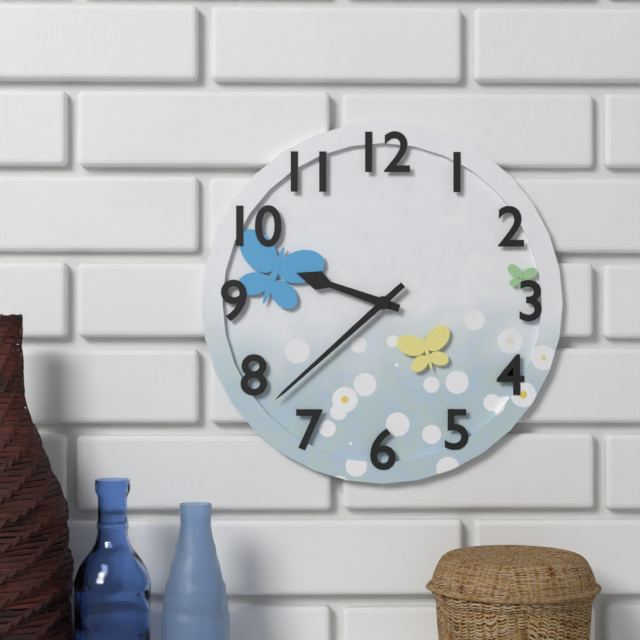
9:38
